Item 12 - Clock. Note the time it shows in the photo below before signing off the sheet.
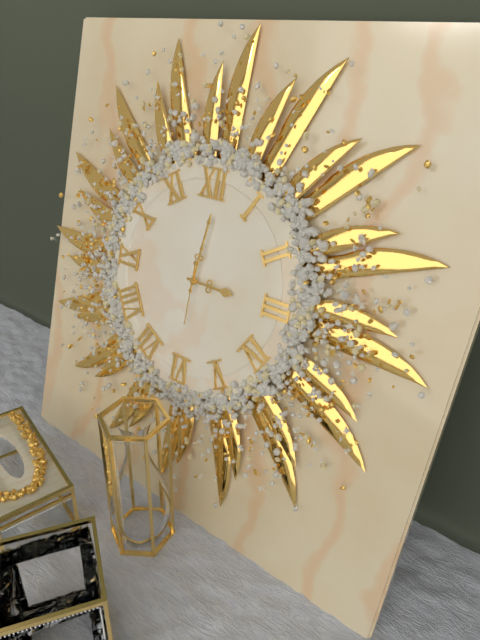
3:01:30
